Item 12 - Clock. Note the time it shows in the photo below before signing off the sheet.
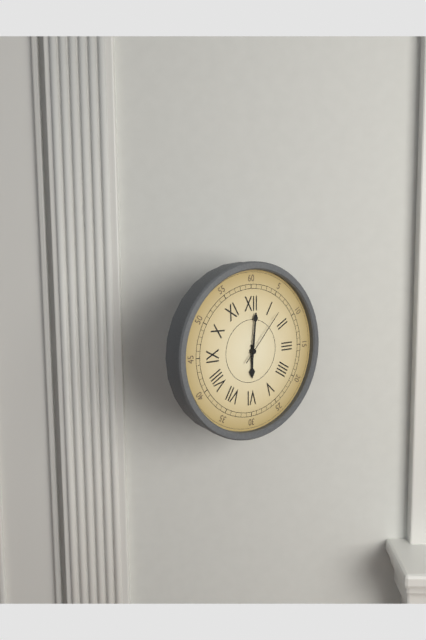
6:01:07
